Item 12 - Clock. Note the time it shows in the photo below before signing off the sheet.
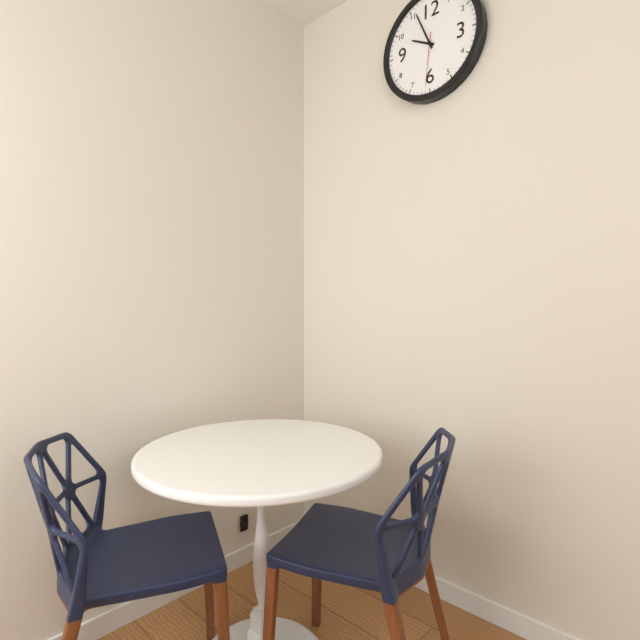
9:56:31
